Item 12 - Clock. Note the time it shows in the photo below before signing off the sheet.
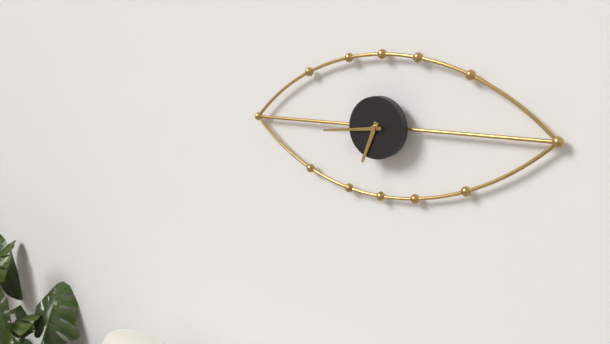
6:44
